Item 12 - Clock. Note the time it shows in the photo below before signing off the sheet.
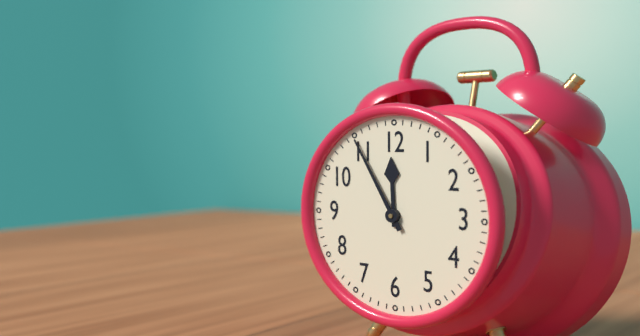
11:55
